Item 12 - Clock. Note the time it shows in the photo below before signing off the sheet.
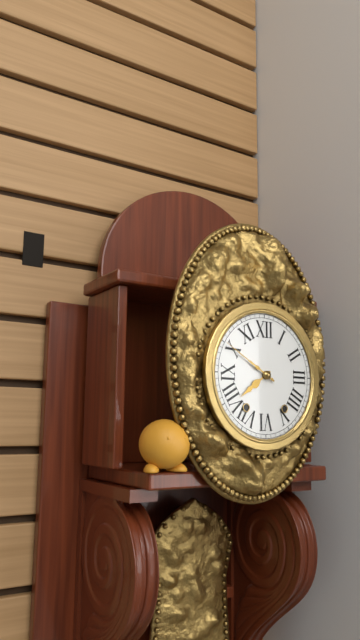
7:50
